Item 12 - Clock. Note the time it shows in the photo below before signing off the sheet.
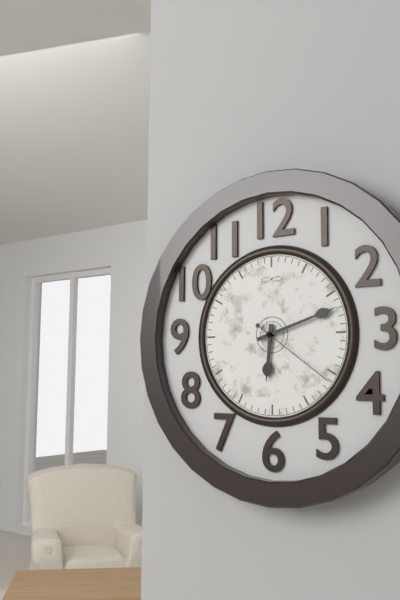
6:12:21
